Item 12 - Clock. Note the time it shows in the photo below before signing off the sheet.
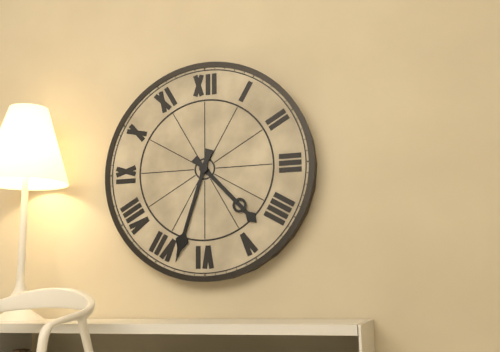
4:33
